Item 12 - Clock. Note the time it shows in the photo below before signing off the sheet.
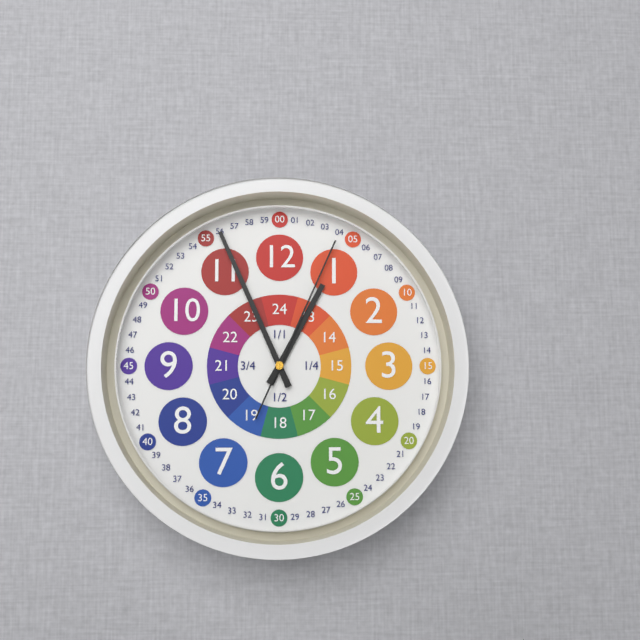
12:56:04
